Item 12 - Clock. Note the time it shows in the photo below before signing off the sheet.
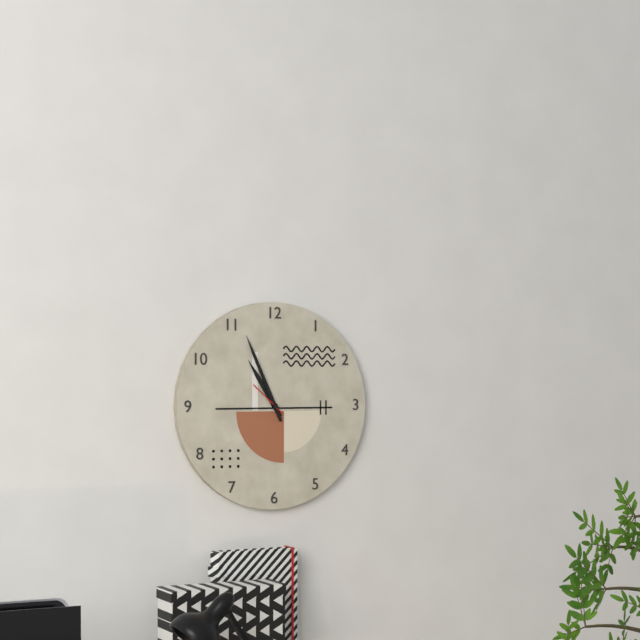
10:56
